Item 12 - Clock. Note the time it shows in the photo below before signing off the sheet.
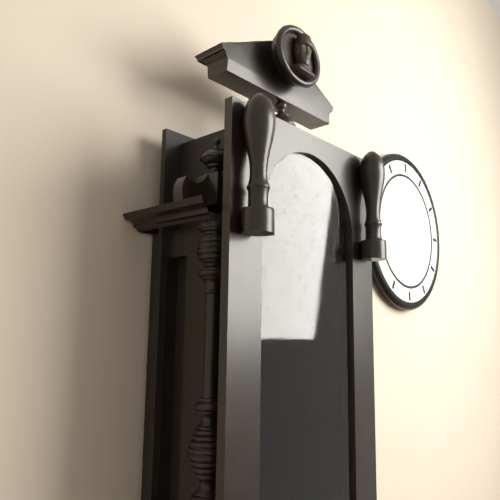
8:25
